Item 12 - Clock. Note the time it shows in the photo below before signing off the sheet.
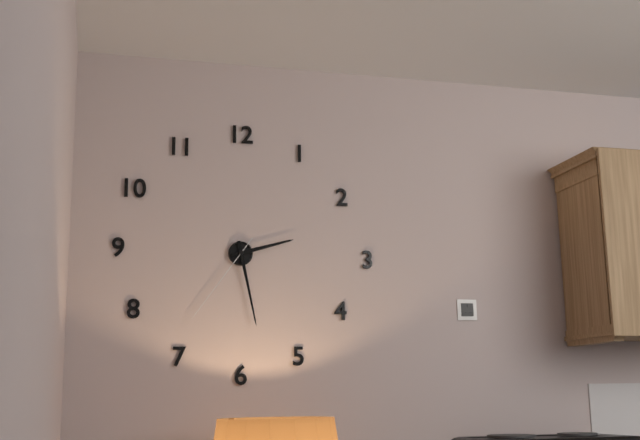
2:28:36
